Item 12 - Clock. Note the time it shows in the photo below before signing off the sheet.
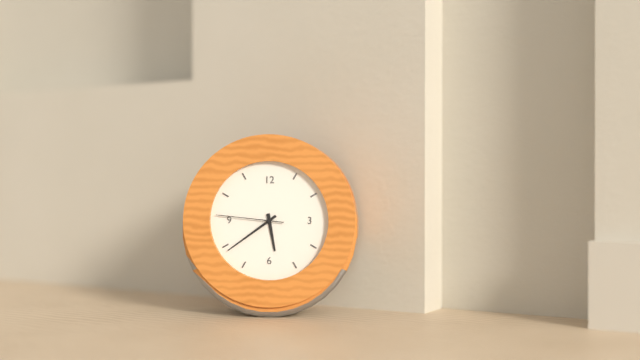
5:39:46
